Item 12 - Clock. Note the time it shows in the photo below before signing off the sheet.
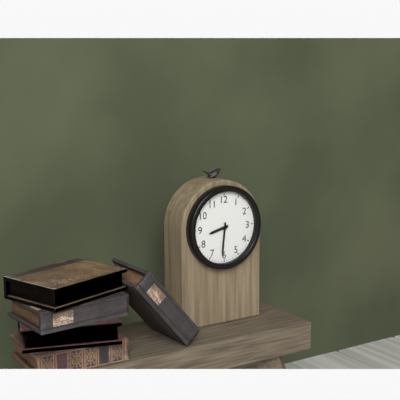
8:31
